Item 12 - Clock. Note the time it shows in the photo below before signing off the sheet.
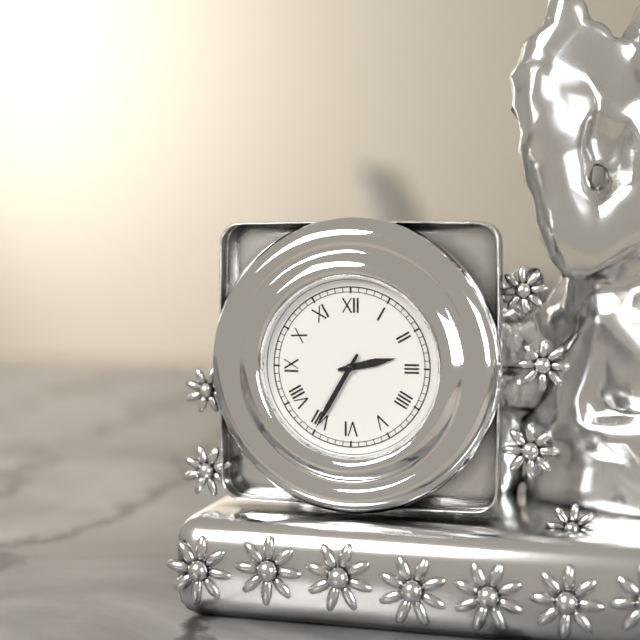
2:35
